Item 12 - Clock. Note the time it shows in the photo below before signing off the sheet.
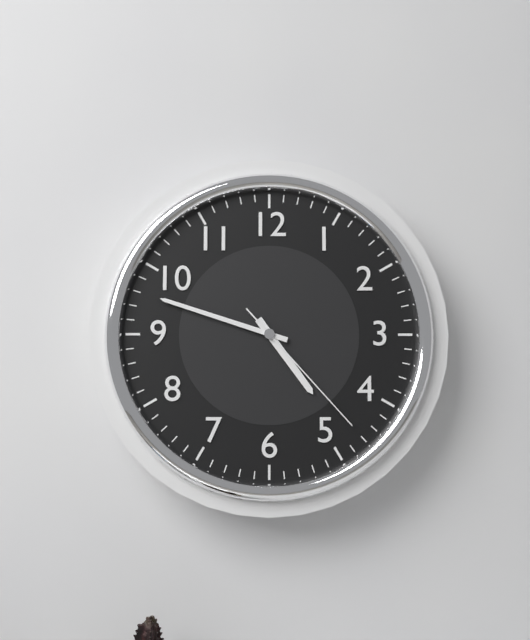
4:48:23
